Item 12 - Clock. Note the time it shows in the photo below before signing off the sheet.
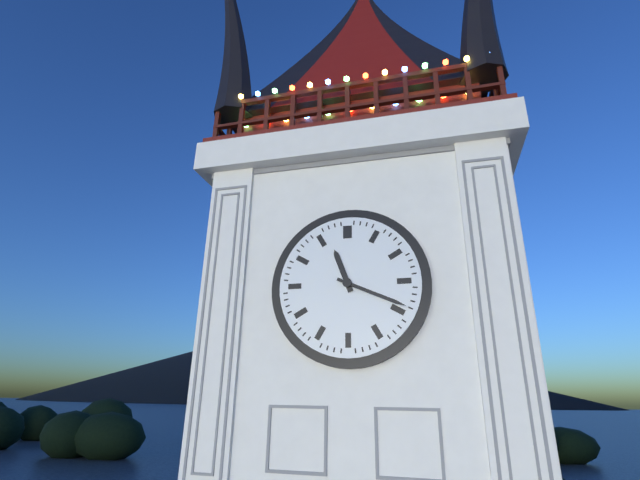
11:19
